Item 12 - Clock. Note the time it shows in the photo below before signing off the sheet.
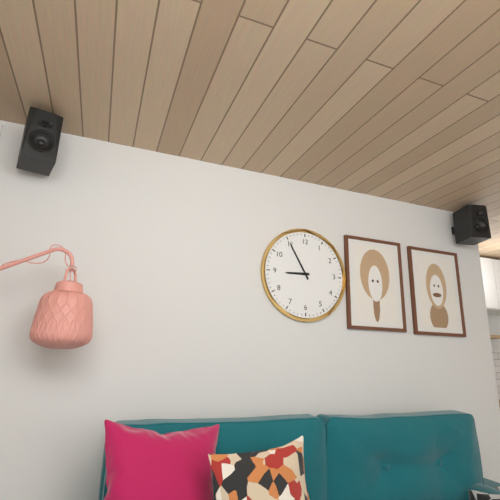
8:55
